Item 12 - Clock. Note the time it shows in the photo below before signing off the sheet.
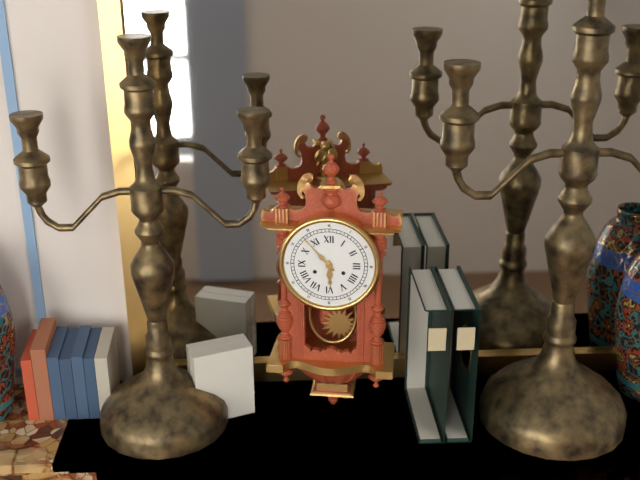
5:53
